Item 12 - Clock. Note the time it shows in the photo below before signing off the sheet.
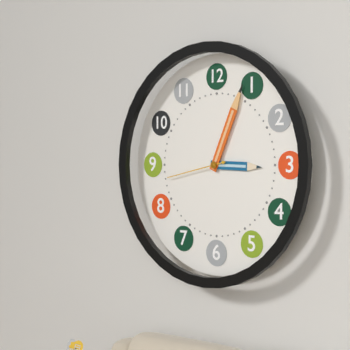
3:04:43
